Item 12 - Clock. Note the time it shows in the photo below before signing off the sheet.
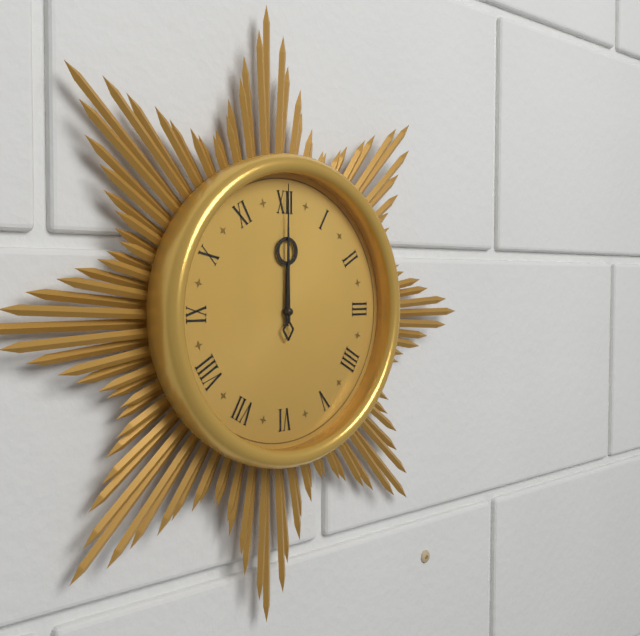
12:00
